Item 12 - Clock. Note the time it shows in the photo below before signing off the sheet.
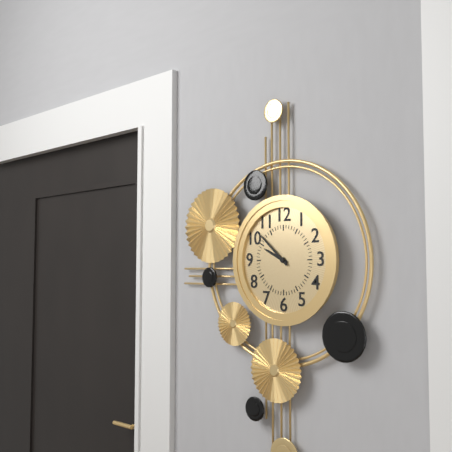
9:52
